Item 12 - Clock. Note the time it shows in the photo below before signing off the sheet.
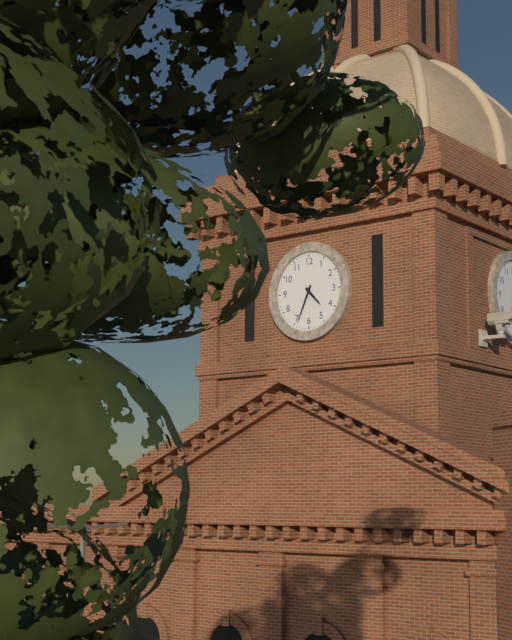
4:34
